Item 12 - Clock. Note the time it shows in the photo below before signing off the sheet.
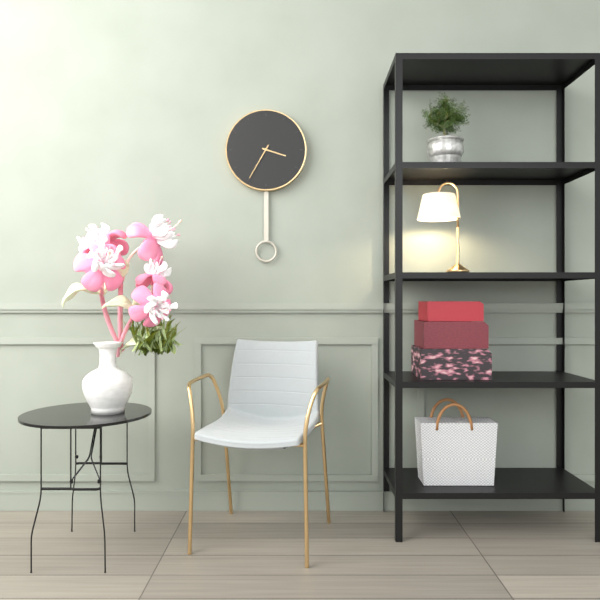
3:35
